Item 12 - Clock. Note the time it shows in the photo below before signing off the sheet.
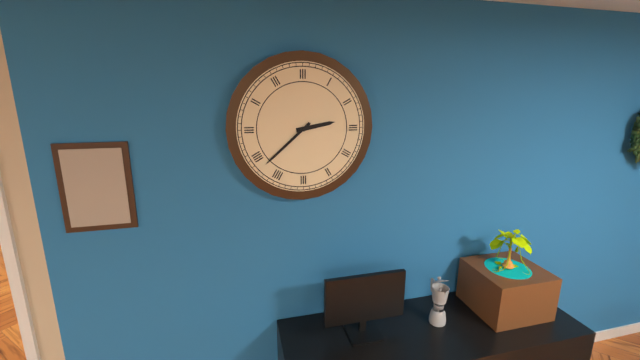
2:38
